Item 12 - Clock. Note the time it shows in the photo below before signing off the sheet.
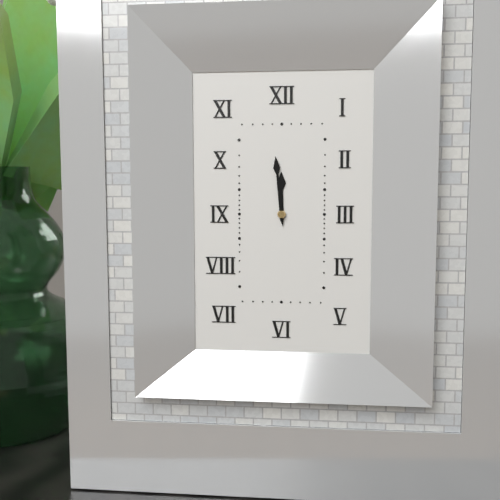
11:59
